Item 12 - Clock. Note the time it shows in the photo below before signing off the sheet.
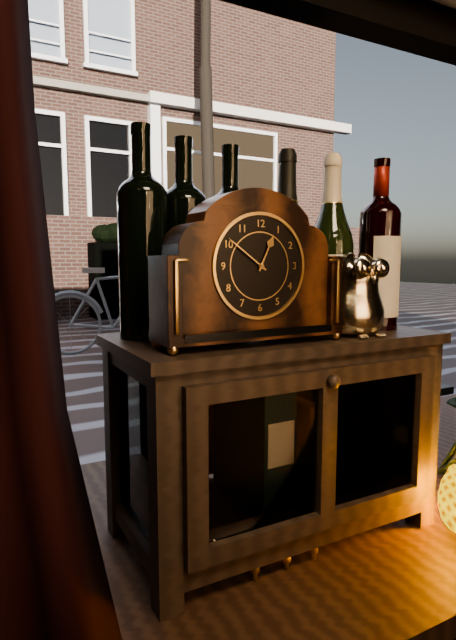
12:51
